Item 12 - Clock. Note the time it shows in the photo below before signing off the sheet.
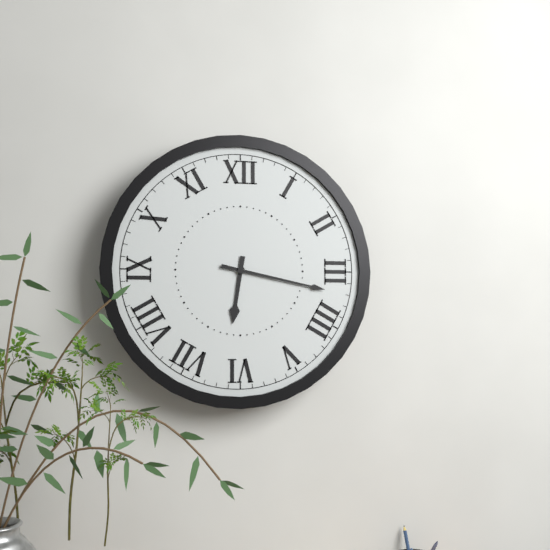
6:17
